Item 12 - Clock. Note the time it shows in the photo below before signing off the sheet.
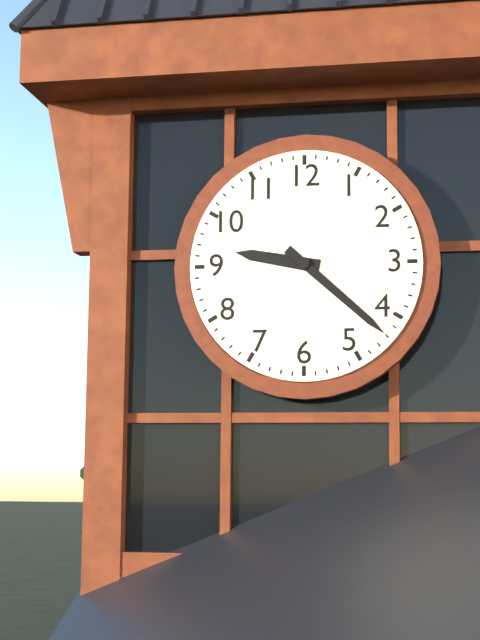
9:22
